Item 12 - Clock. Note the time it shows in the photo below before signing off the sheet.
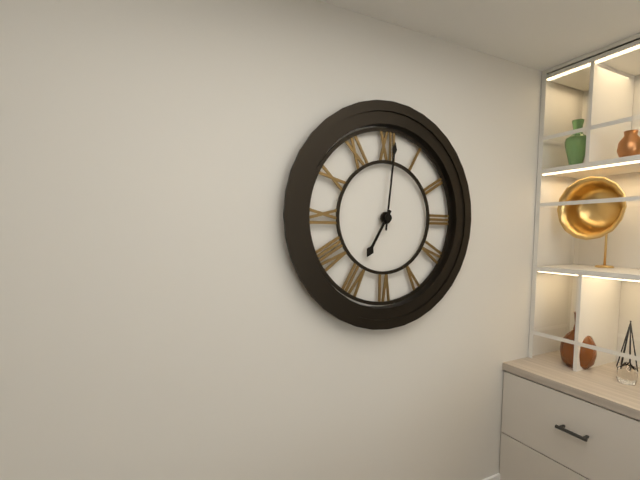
7:01
